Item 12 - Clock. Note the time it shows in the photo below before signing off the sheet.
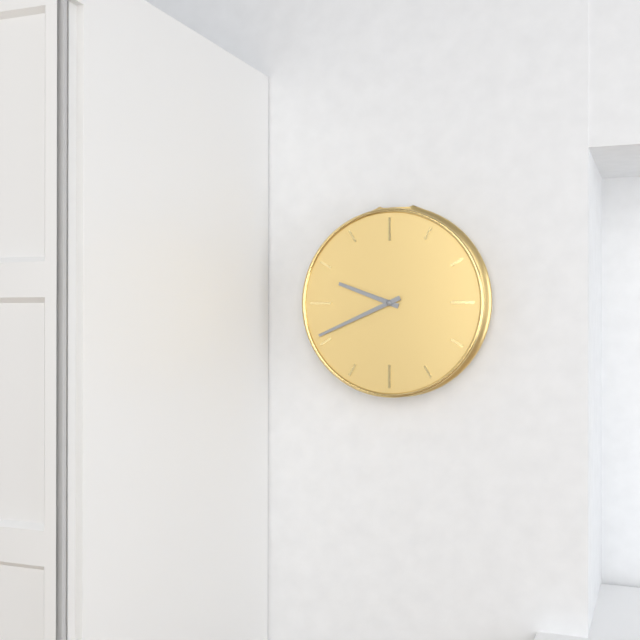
9:41
